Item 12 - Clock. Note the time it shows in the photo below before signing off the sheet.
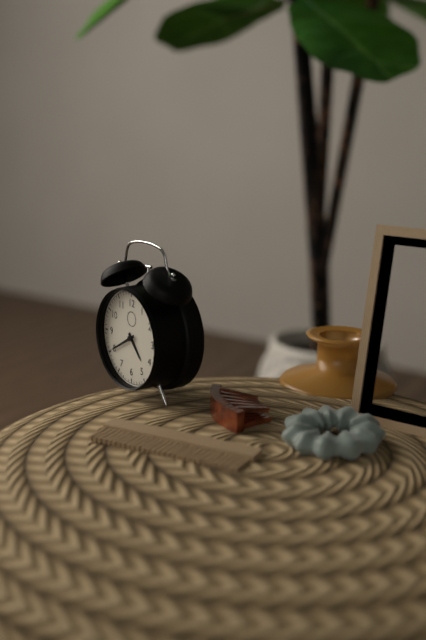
4:40
